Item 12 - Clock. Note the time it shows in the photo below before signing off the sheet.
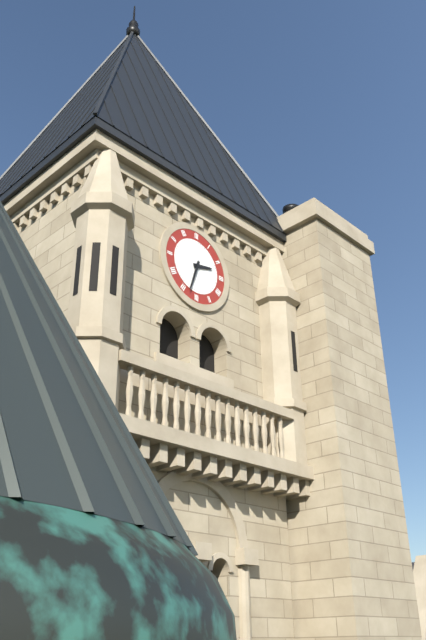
2:33
